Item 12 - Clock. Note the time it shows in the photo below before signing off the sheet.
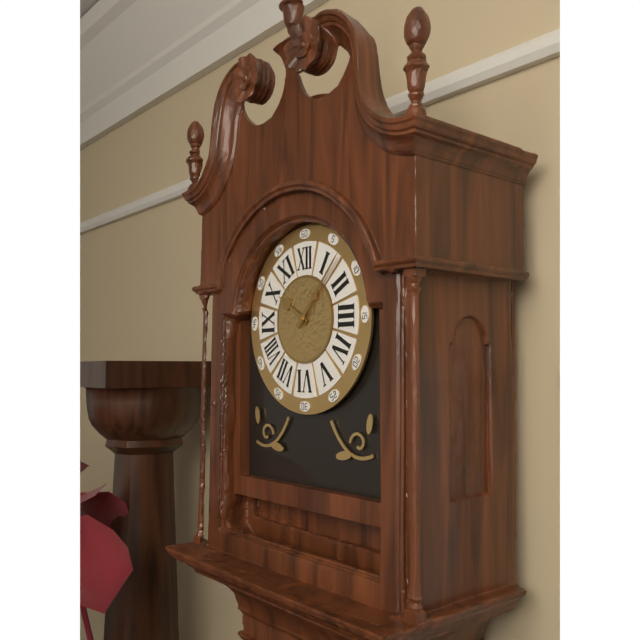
10:07
